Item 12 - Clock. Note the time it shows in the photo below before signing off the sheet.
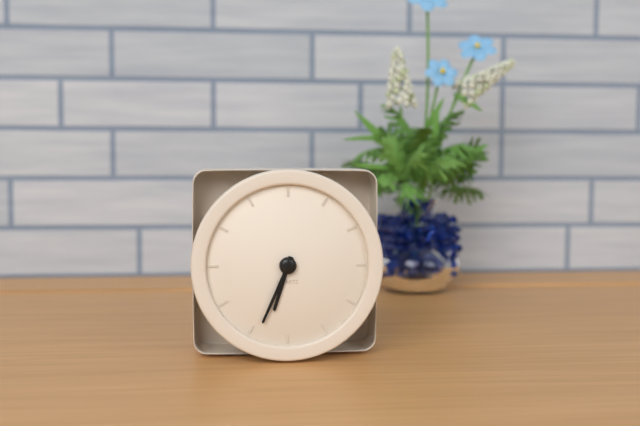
6:34
